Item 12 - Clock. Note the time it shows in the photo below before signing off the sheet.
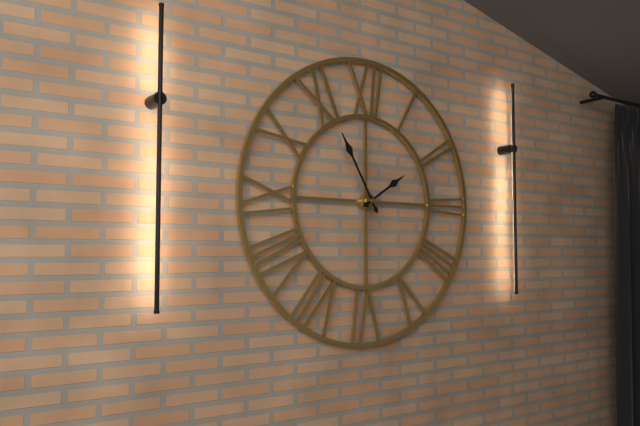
1:55
